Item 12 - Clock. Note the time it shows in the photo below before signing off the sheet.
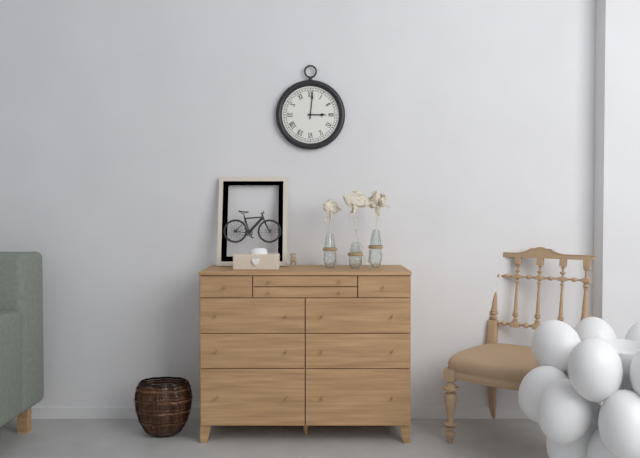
3:01
